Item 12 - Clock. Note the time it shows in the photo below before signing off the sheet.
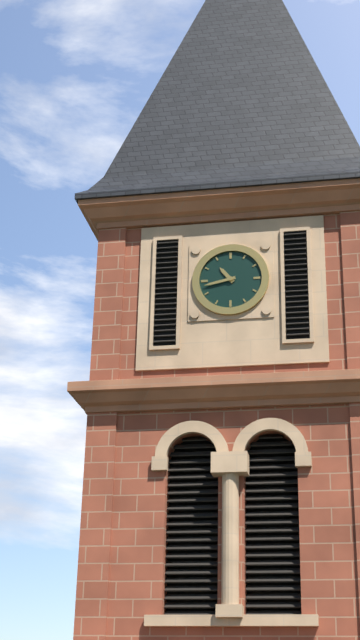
10:43
